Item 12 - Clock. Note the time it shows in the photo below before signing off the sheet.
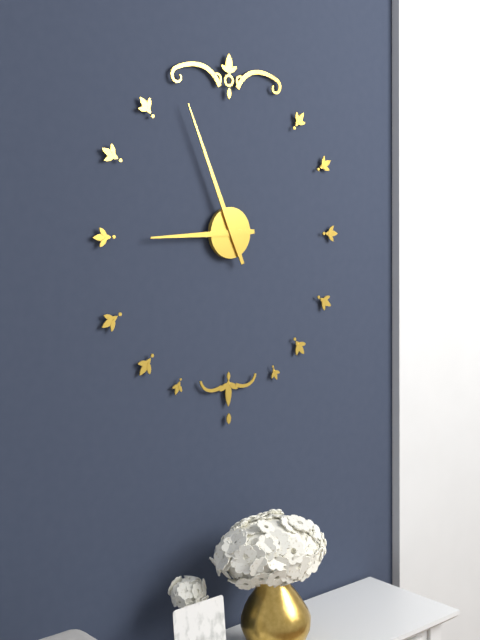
8:56
